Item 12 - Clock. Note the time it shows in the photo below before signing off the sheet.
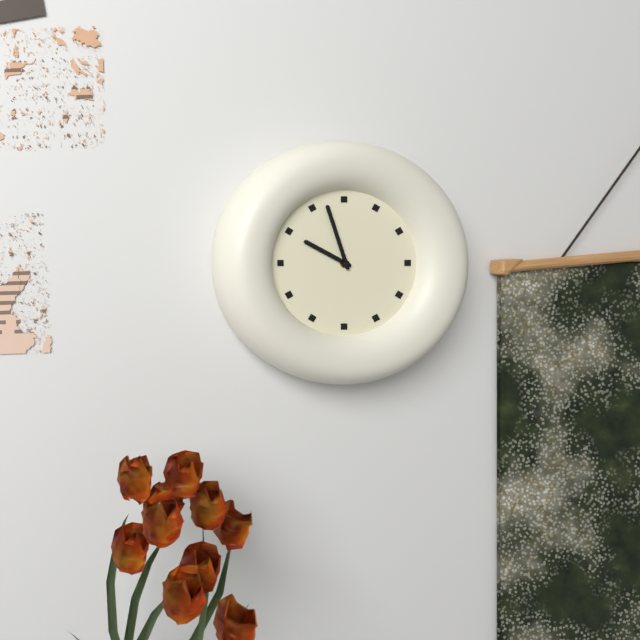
9:57
